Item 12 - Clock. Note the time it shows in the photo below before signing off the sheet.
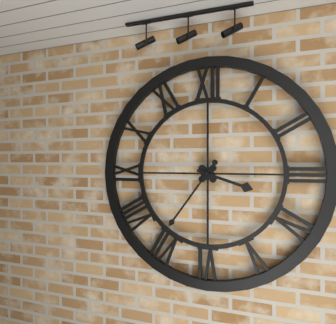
3:36
